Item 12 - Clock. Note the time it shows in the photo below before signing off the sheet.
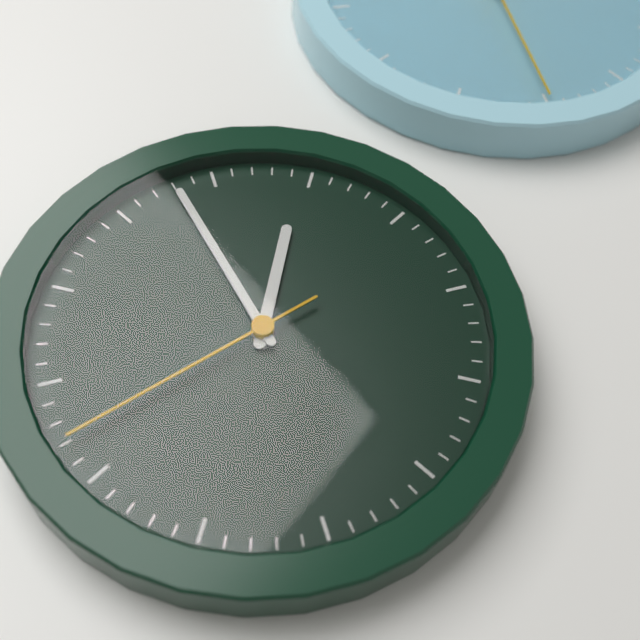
11:53:37
